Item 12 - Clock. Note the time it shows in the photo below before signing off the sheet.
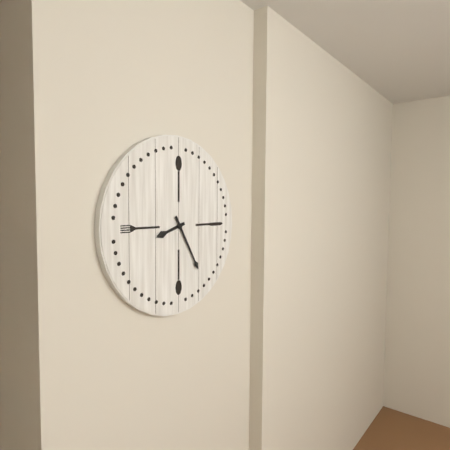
8:25
